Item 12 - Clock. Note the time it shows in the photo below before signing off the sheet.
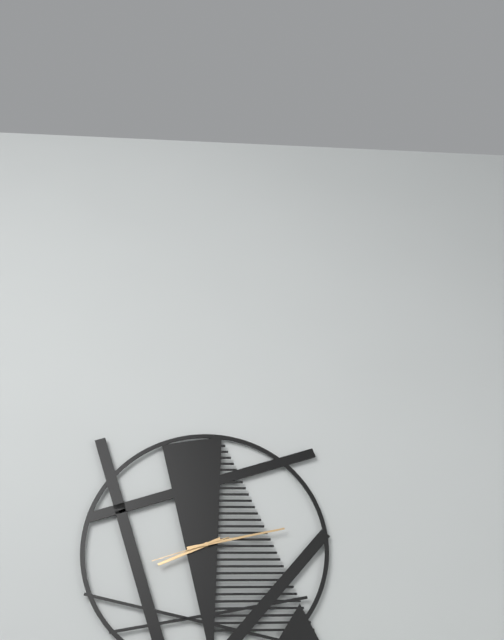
8:13:42
